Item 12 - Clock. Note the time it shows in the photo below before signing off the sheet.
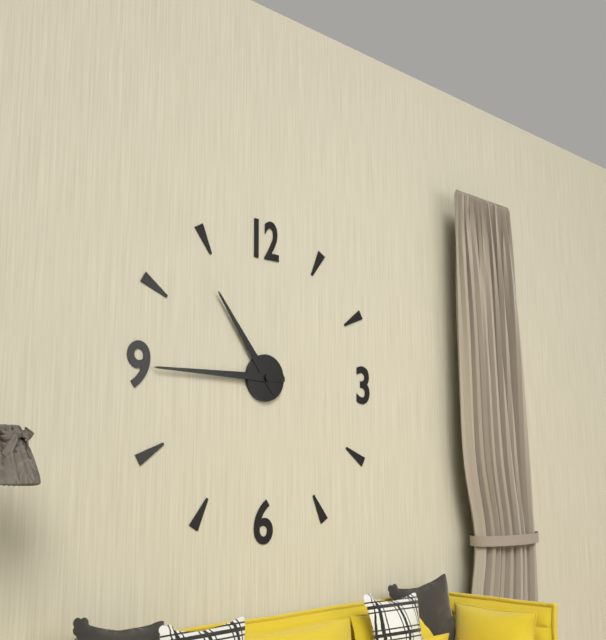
10:45
